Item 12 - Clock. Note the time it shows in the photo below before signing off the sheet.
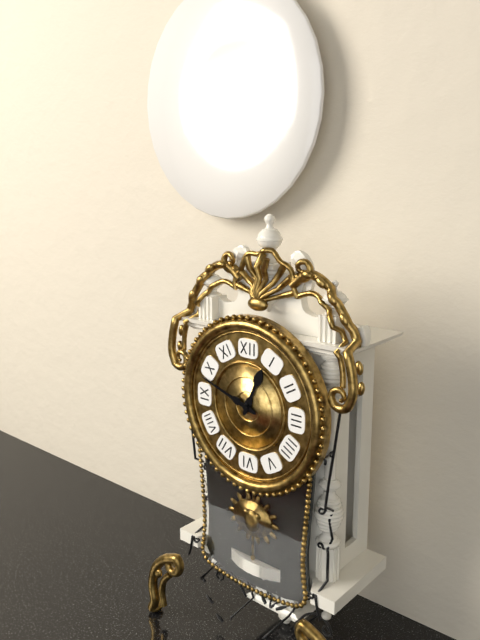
12:48
